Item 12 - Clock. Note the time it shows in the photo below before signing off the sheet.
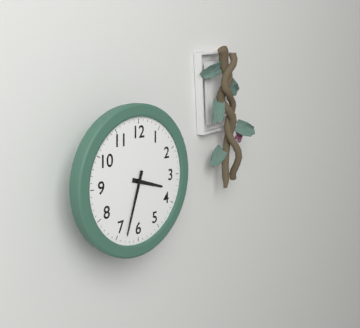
3:33
